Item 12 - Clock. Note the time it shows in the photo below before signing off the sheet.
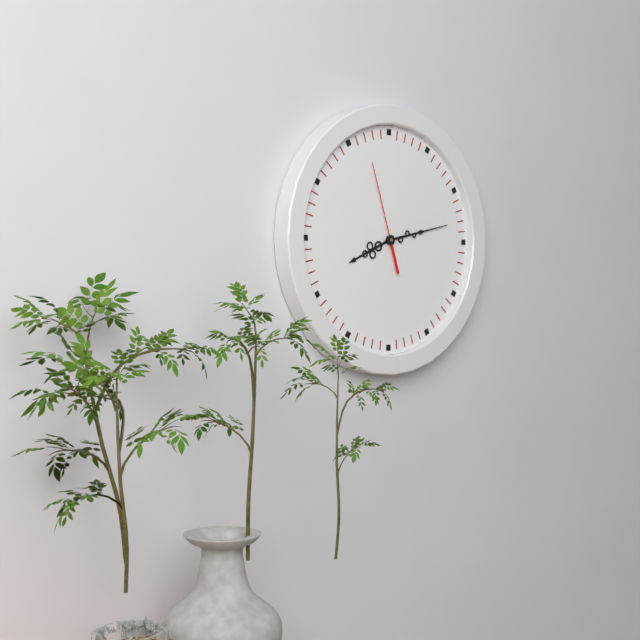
8:13:57
